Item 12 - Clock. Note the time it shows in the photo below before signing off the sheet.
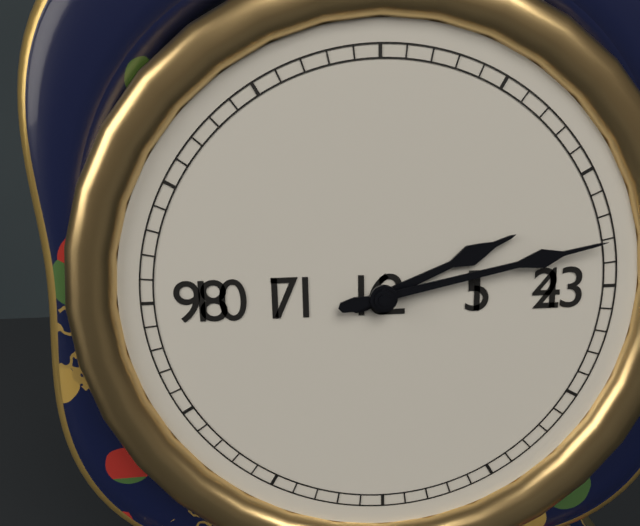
2:13
